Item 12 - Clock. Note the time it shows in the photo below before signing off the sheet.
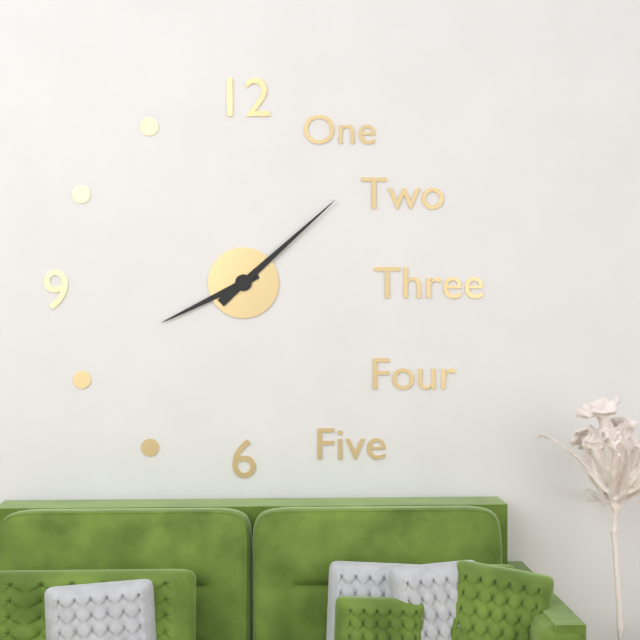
8:08
